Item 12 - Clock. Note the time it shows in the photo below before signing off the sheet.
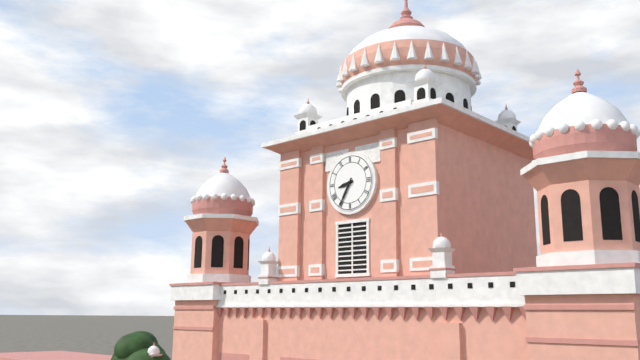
8:35
